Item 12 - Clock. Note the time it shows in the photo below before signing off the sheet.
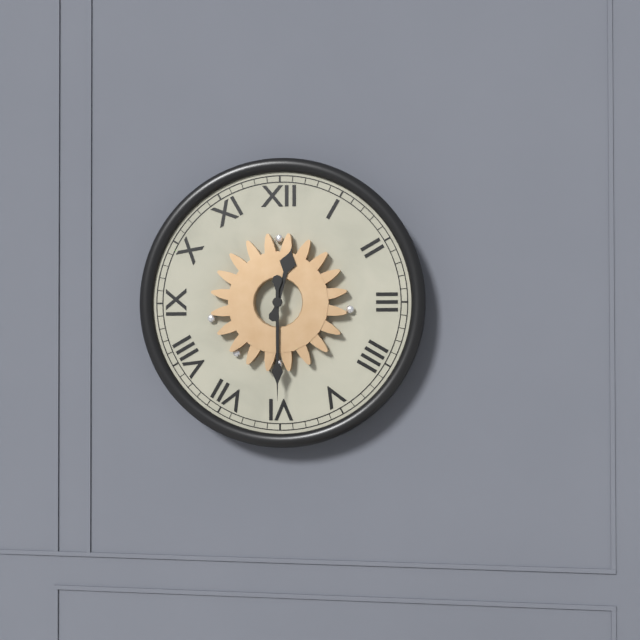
12:30
